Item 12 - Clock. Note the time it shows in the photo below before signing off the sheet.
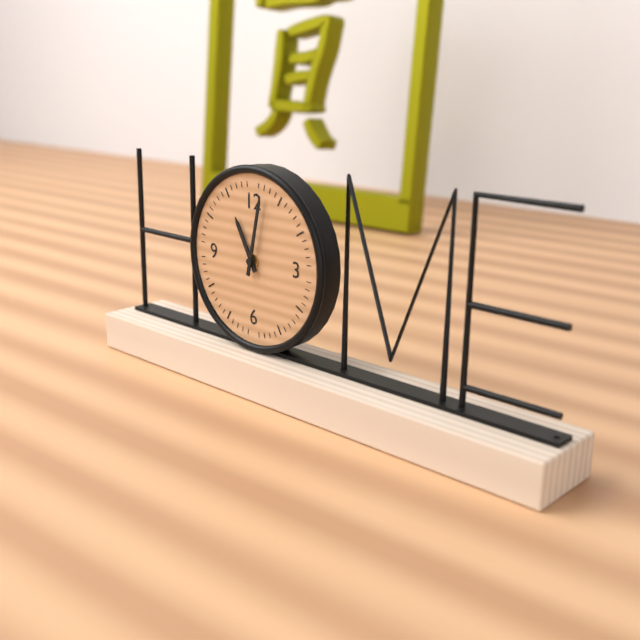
11:02
